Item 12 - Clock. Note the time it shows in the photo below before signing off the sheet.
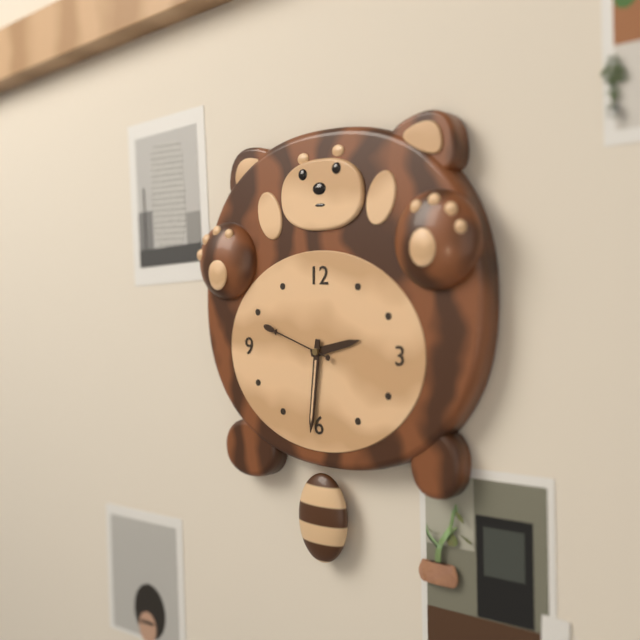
2:31:48
